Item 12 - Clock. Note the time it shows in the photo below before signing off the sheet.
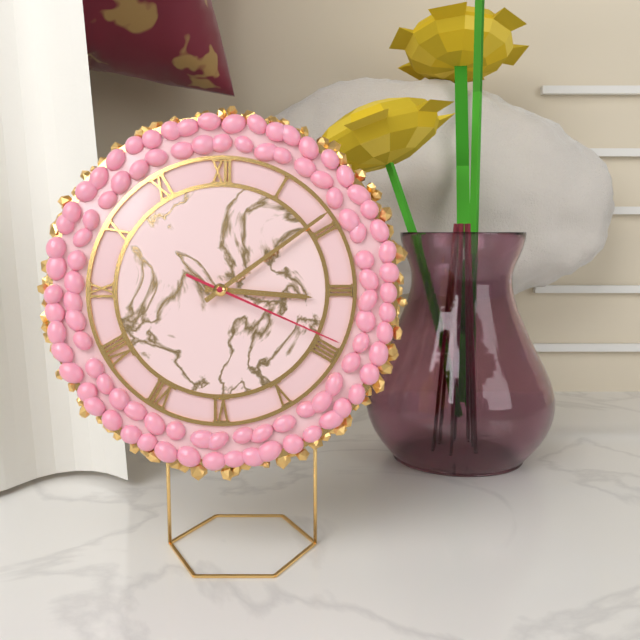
3:09:19
